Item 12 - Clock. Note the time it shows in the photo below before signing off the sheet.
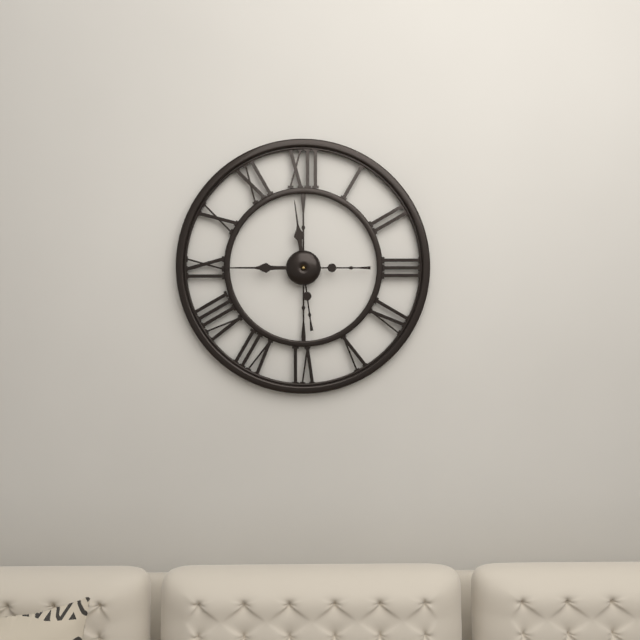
11:45
